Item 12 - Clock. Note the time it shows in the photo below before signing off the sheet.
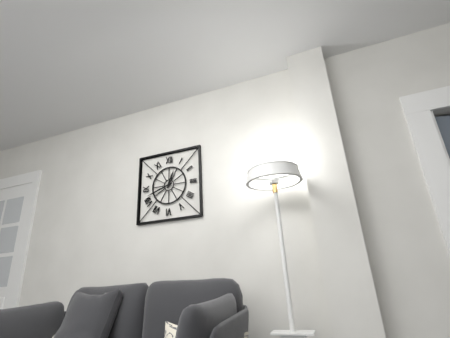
12:42
